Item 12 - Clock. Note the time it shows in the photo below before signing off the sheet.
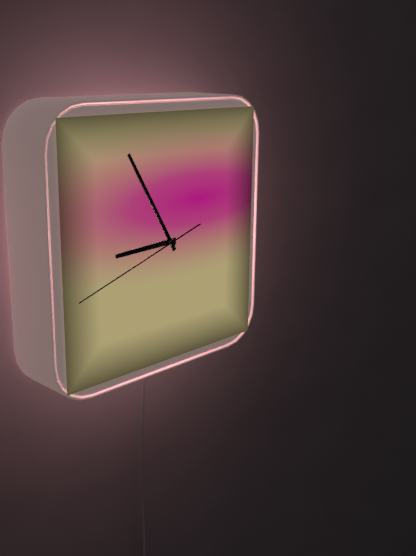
8:55:42
